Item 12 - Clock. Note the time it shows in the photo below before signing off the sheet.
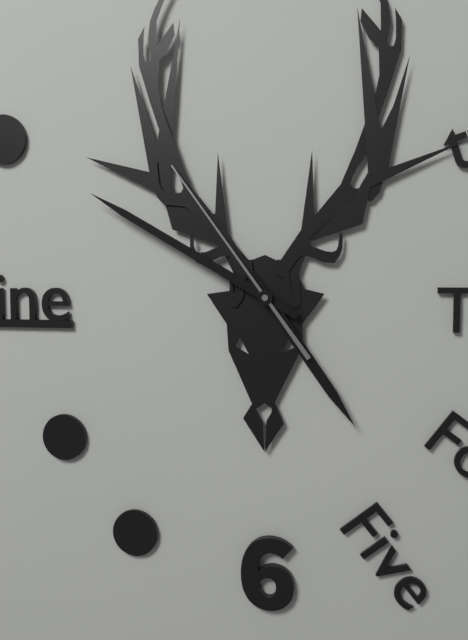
4:50:54
